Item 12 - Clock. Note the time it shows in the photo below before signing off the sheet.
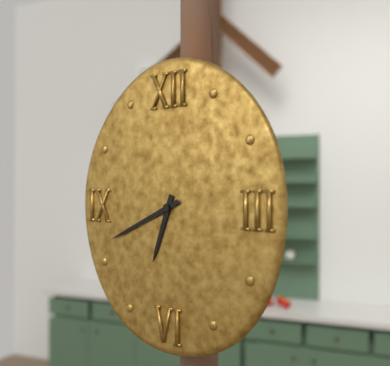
6:41
